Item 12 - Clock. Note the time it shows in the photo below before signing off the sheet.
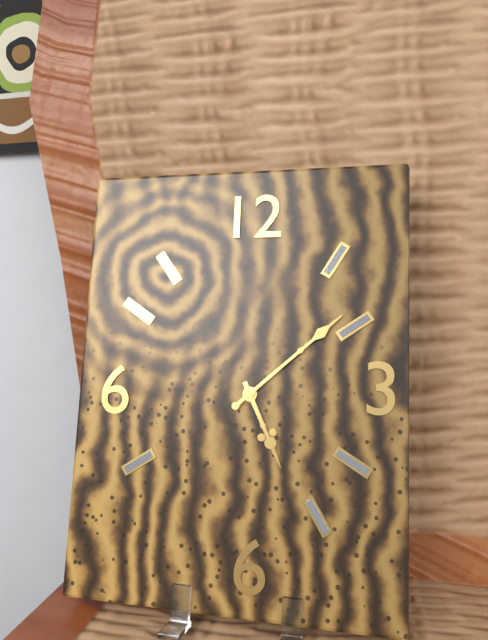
5:08
